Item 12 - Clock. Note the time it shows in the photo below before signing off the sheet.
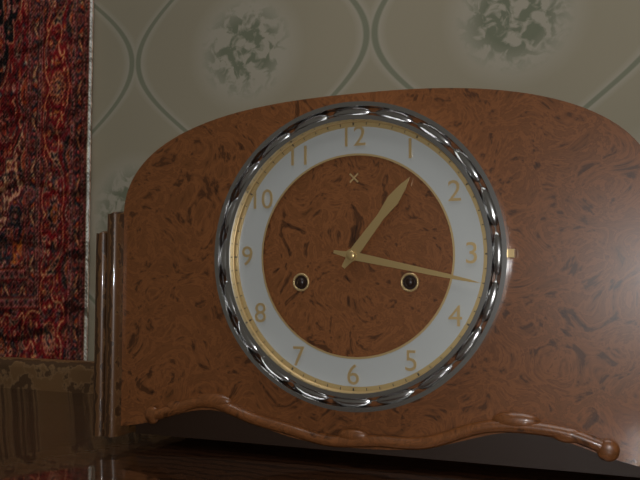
1:17
